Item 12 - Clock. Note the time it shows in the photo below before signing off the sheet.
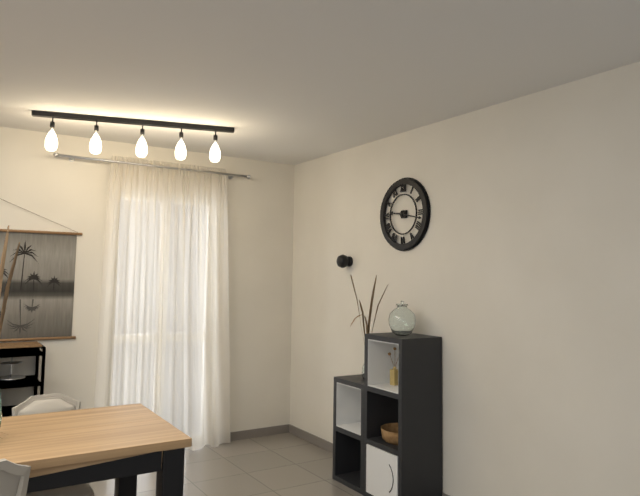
9:17
